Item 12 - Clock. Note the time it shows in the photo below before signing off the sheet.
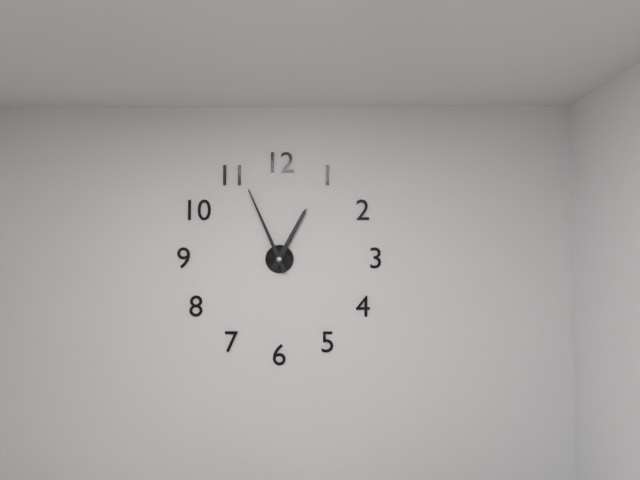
12:56
